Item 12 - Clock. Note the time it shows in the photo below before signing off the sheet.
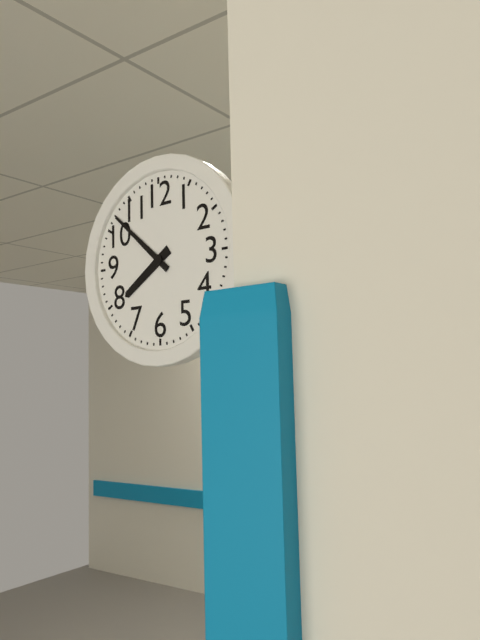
7:52
